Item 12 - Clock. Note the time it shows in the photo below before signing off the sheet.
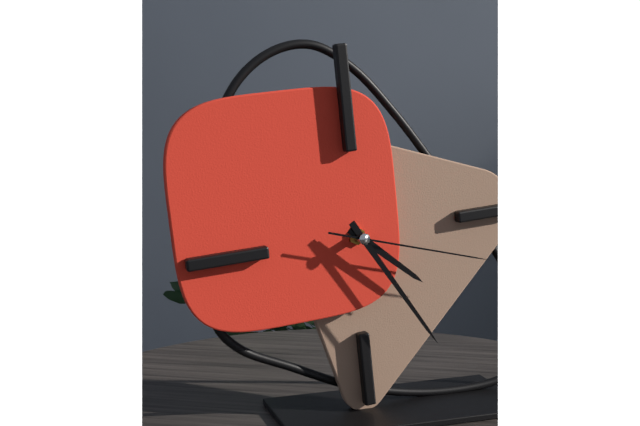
4:25:18
